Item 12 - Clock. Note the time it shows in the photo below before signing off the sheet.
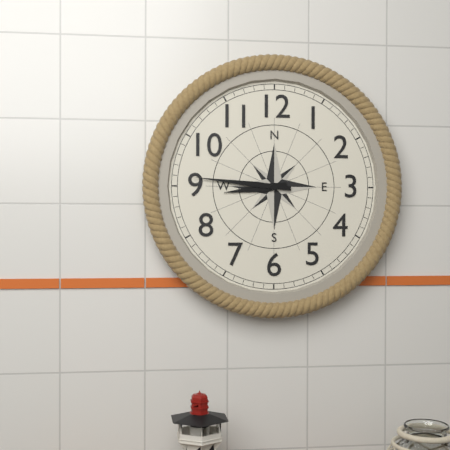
8:46
